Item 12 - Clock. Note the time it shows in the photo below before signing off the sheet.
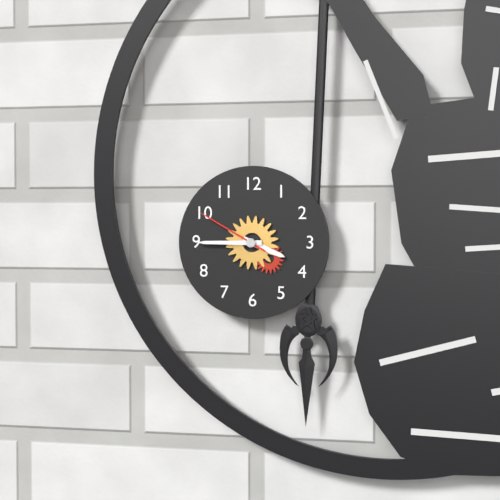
3:45:50
